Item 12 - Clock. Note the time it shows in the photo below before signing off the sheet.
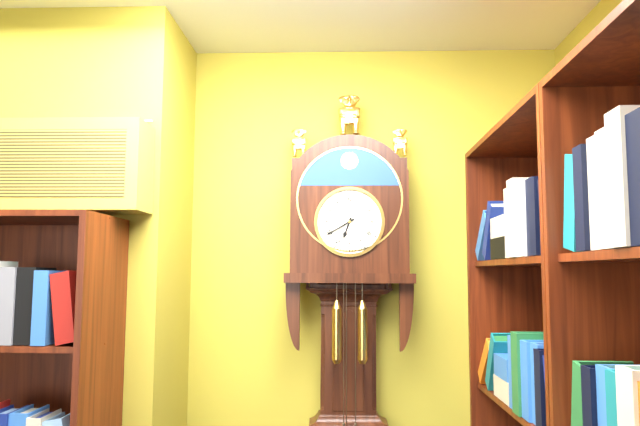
6:40
